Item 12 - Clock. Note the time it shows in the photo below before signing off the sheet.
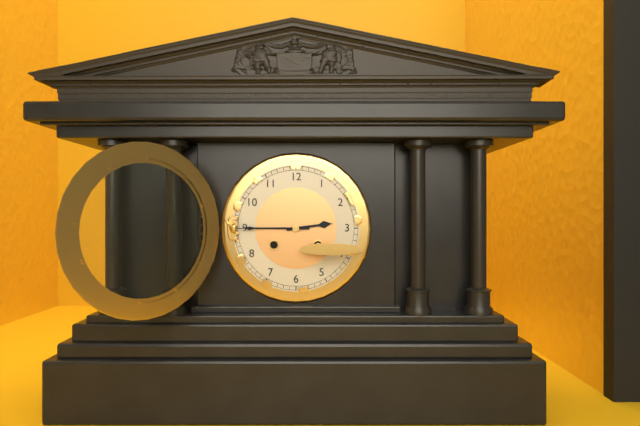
2:45
